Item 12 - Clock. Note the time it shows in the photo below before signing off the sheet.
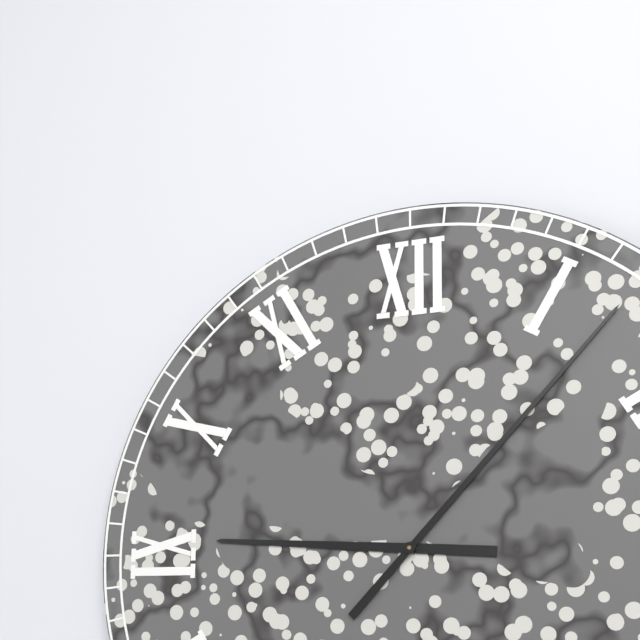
9:07
